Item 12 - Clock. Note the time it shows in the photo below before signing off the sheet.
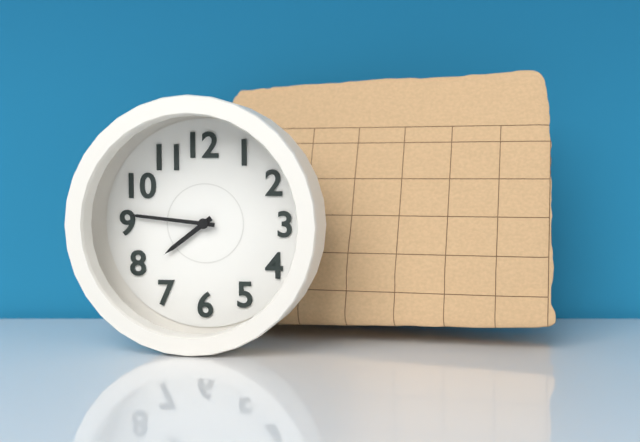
7:46
